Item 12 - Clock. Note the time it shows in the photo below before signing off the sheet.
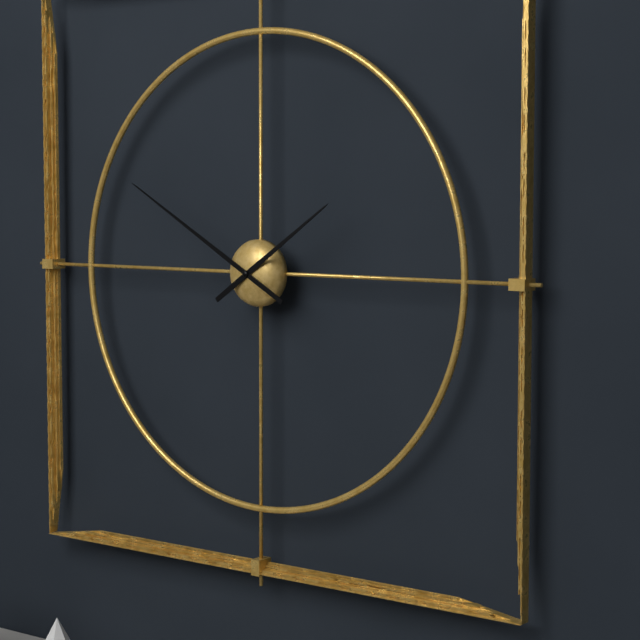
1:50
